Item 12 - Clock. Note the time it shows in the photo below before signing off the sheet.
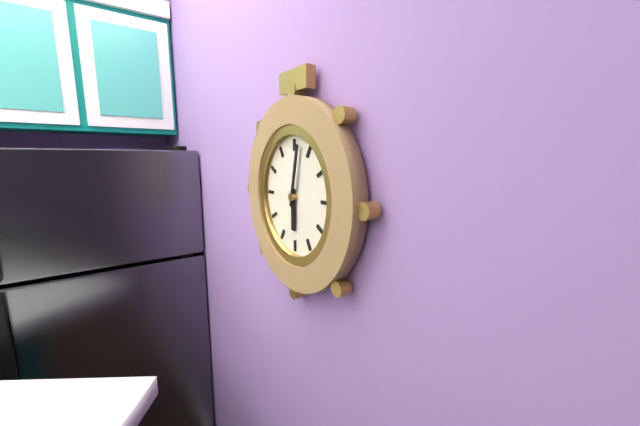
6:02
